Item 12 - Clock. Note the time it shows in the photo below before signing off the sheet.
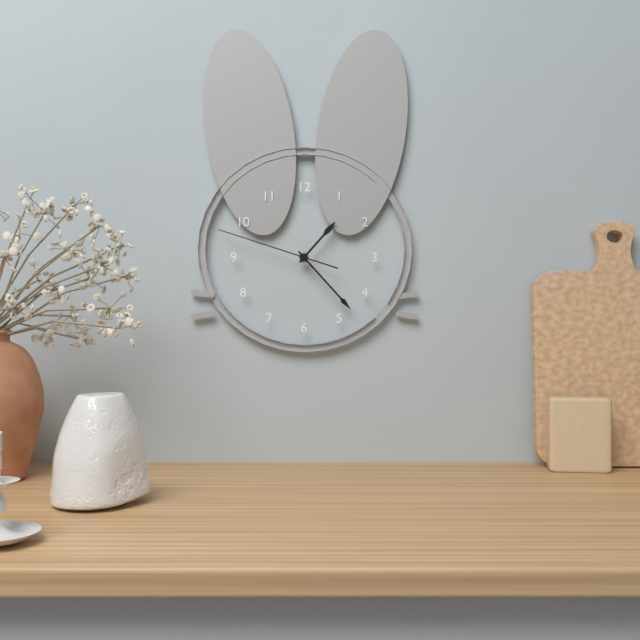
1:23:48
